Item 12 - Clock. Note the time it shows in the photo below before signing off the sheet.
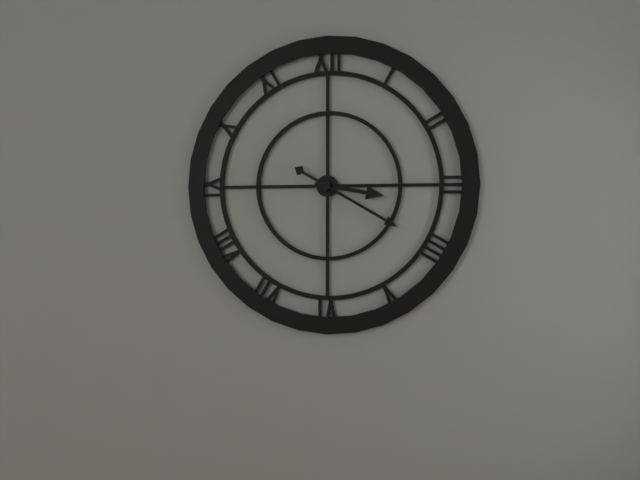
3:20
